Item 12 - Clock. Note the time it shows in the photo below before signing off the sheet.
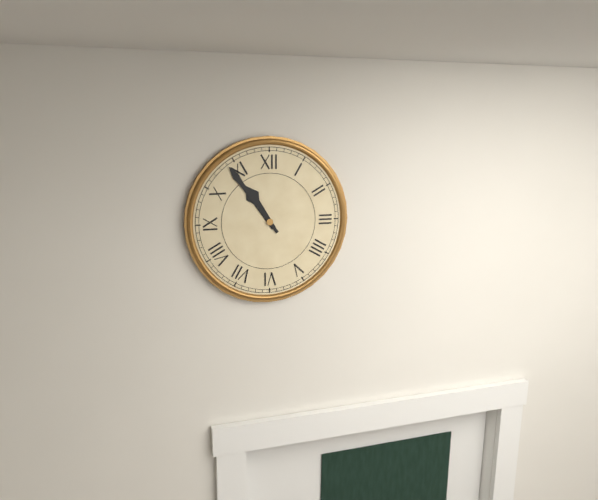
10:54
